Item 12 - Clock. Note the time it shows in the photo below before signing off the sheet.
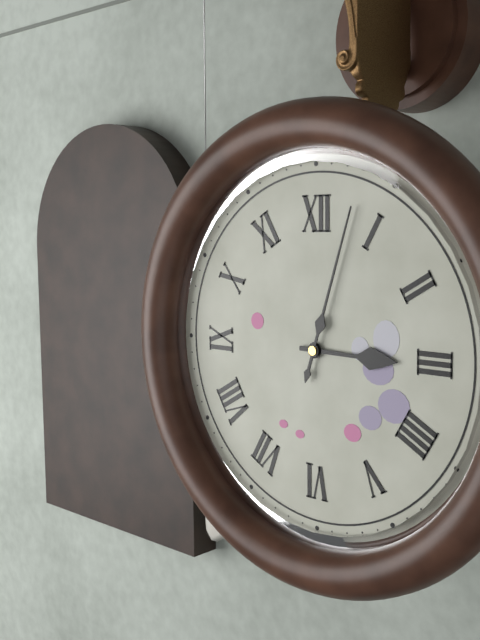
3:03
